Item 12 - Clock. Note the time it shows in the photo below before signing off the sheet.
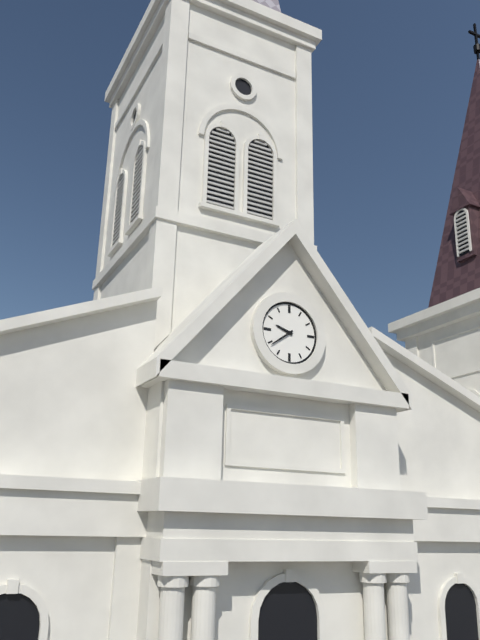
9:39
